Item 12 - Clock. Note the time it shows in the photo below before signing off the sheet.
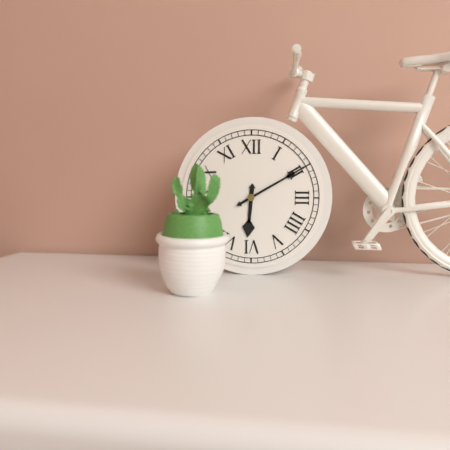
6:10
